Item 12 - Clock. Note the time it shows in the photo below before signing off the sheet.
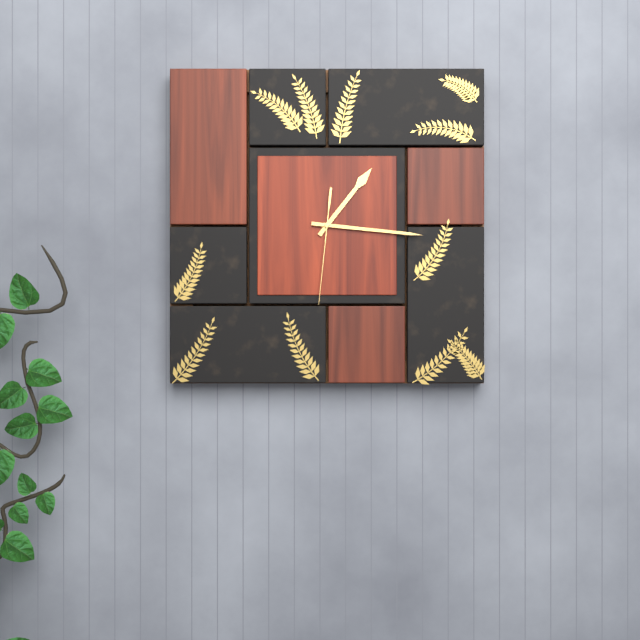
1:16:31
